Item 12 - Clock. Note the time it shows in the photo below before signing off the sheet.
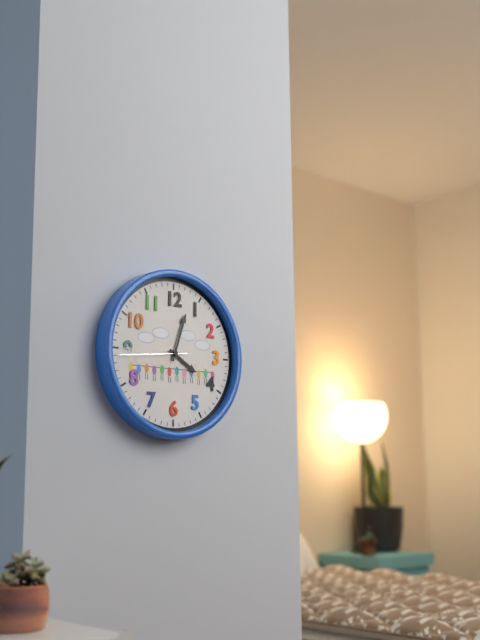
4:03:44
